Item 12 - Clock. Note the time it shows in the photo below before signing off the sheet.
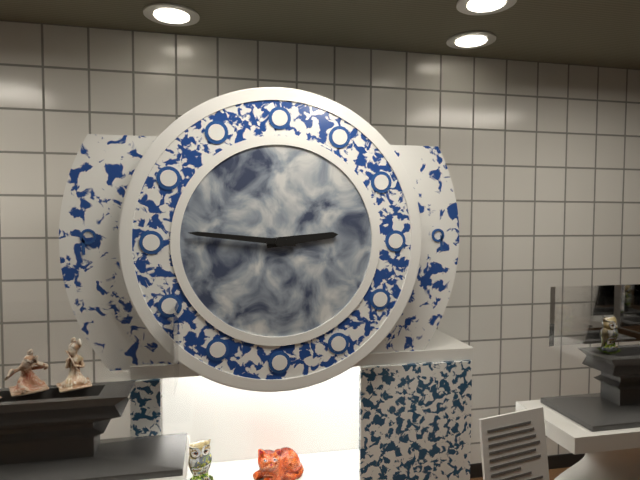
2:46
